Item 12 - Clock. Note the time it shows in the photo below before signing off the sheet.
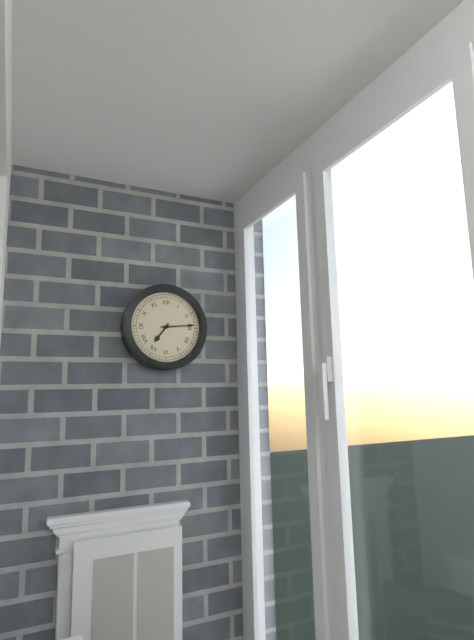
7:14
